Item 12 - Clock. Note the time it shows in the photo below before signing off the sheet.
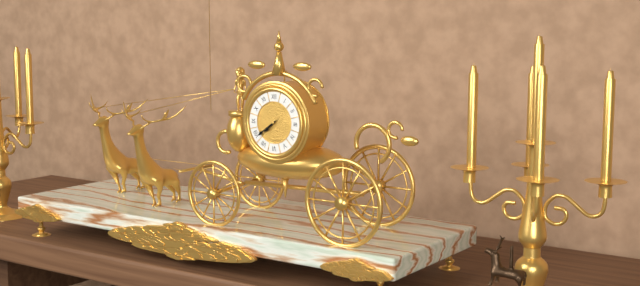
7:39
